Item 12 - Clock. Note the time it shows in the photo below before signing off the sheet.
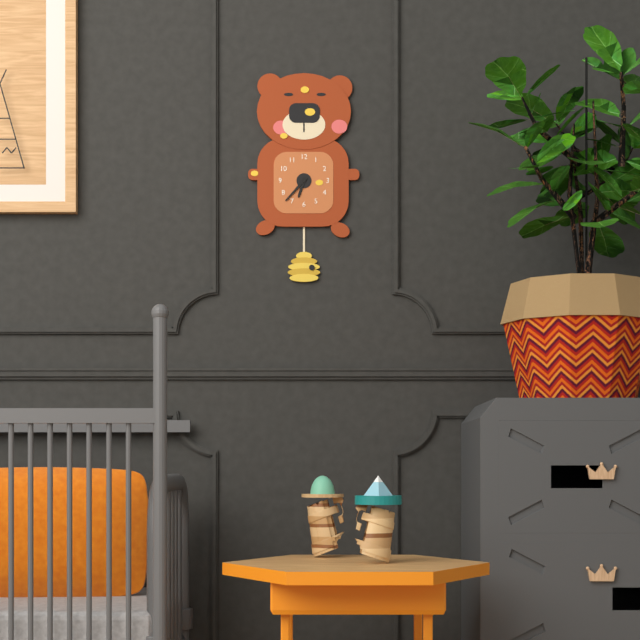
6:37
